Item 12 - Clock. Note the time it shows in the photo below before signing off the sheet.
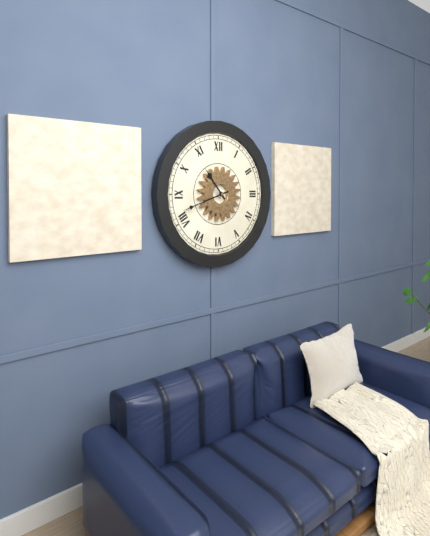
10:42
